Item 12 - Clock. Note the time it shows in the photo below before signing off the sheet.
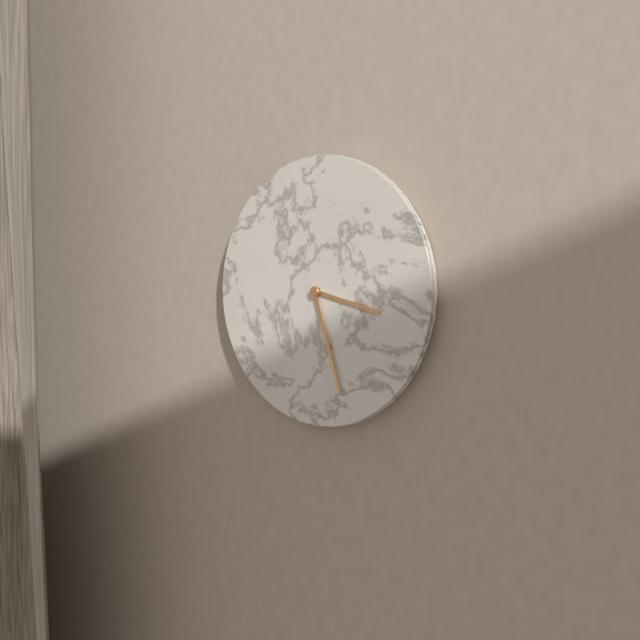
3:27
